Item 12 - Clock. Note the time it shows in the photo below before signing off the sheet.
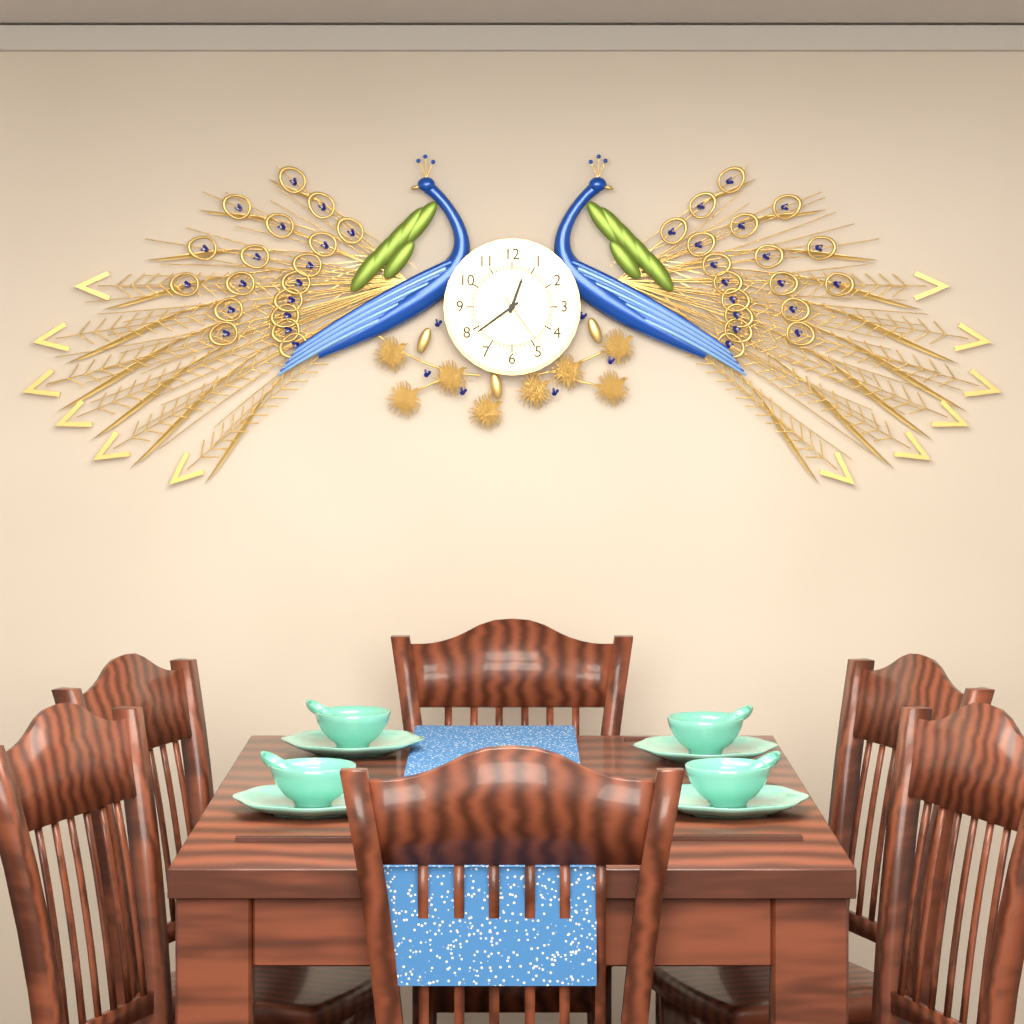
12:39:24
